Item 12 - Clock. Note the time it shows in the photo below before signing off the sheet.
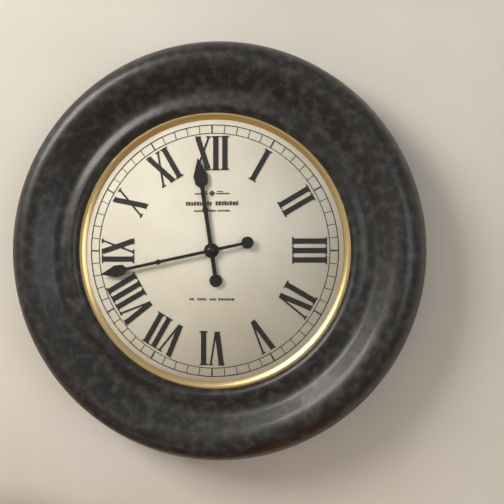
11:43
